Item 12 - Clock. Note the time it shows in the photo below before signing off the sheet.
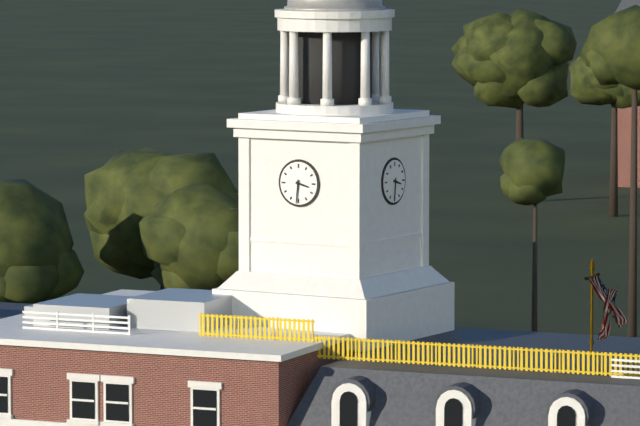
3:31
